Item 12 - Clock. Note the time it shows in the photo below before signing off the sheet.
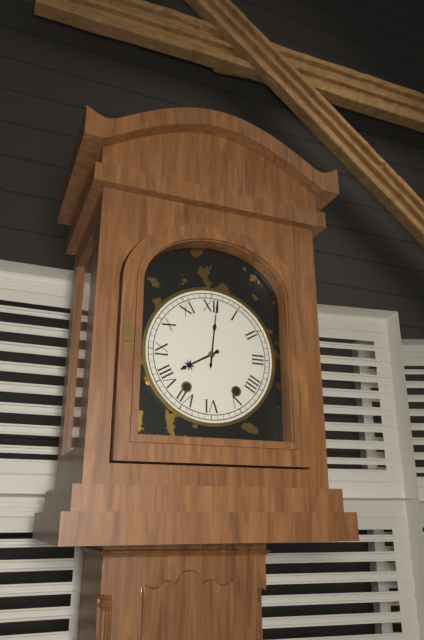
8:01
